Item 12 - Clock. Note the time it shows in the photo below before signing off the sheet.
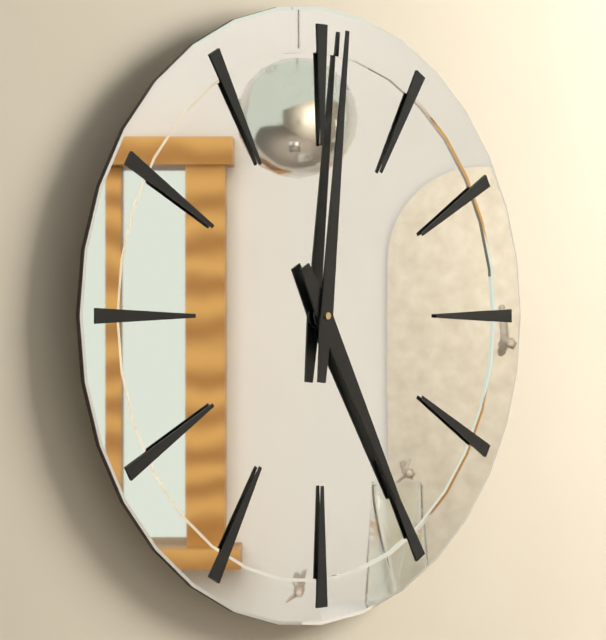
5:01
